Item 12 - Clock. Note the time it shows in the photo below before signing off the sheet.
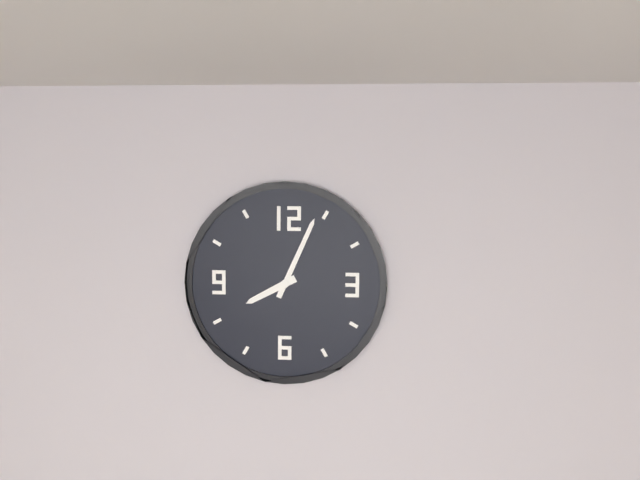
8:04
